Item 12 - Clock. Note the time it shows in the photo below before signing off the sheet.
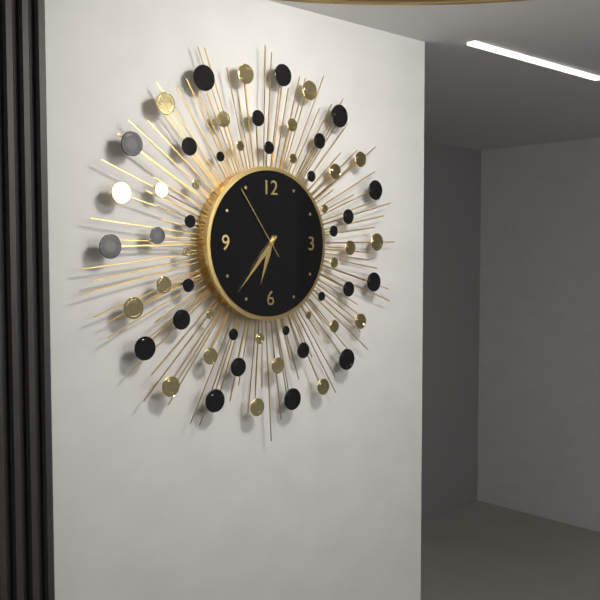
6:37:54
